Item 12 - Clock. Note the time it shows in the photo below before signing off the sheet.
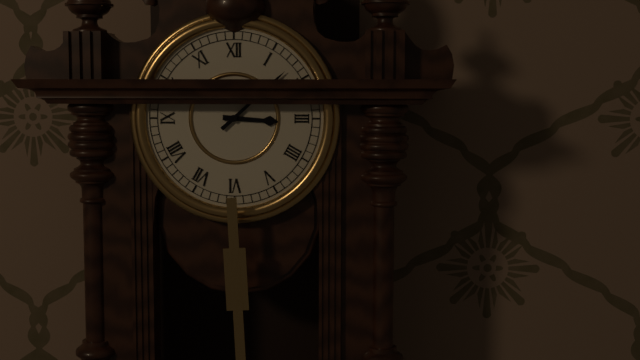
3:08
